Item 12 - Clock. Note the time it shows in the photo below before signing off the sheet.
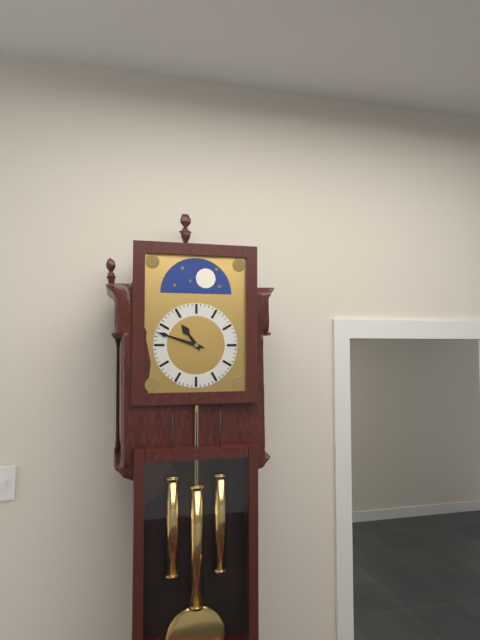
10:48
